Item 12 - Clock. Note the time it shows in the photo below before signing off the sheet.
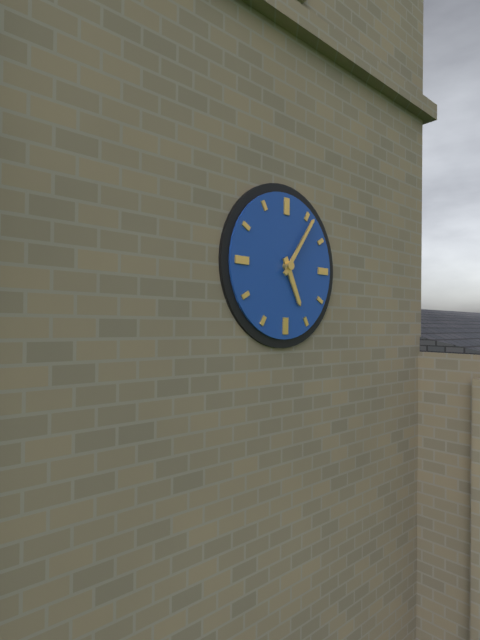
5:06
